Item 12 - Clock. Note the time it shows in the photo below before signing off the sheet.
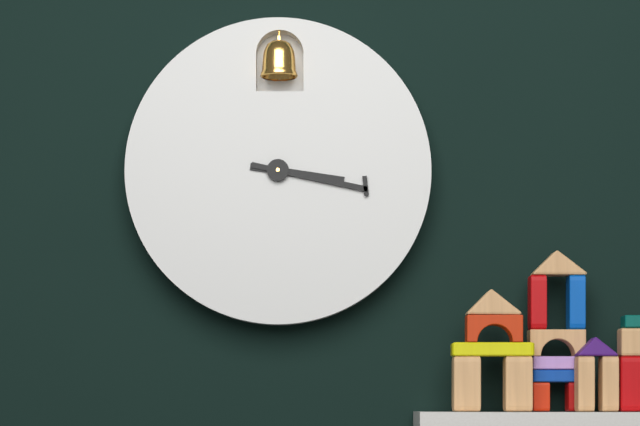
3:17
